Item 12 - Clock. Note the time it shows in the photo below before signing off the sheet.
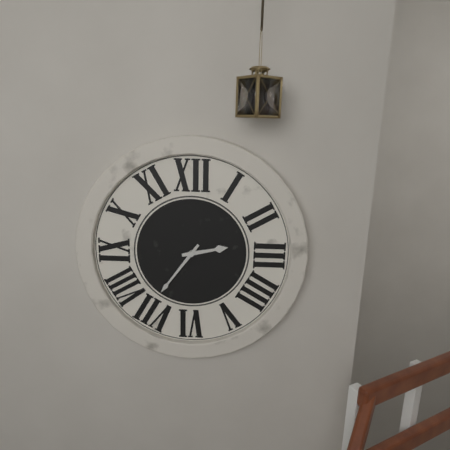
2:36
